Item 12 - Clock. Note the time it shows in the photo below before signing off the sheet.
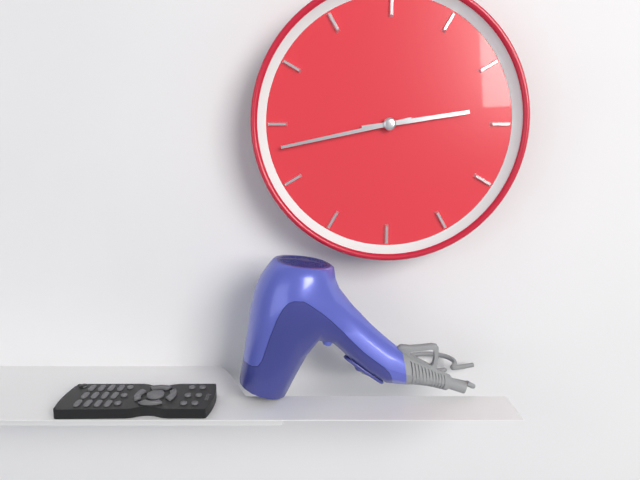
2:43
